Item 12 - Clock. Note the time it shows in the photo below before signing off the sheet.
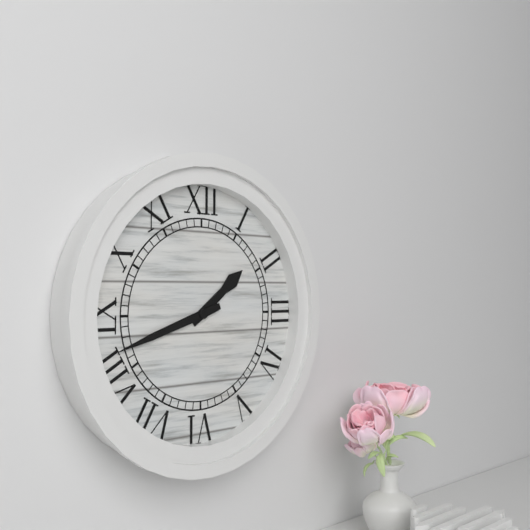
1:42
